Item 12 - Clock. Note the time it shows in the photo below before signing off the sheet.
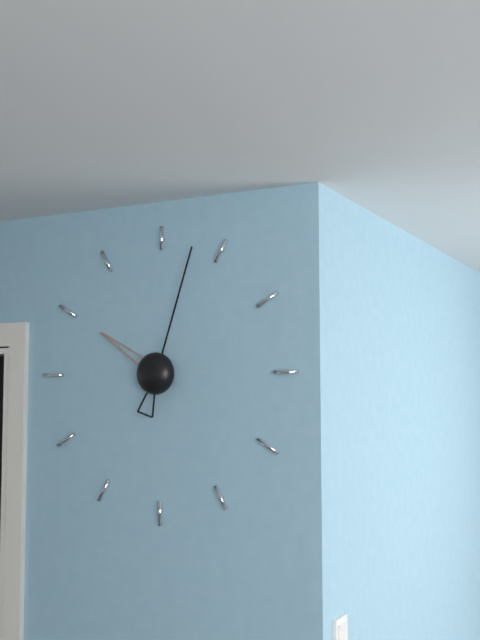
10:03
